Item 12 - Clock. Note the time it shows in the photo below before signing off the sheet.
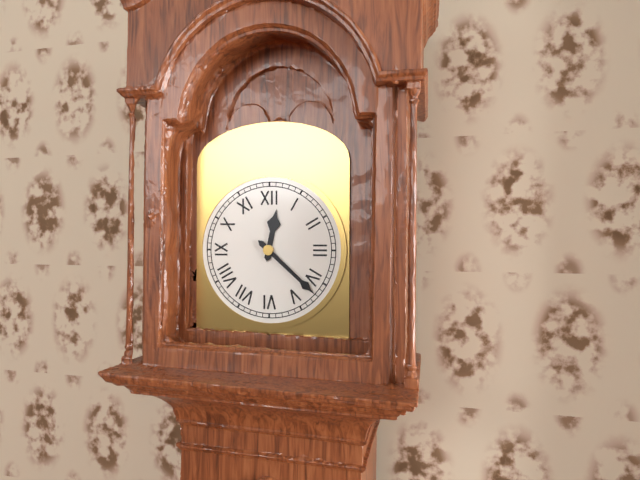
12:22
